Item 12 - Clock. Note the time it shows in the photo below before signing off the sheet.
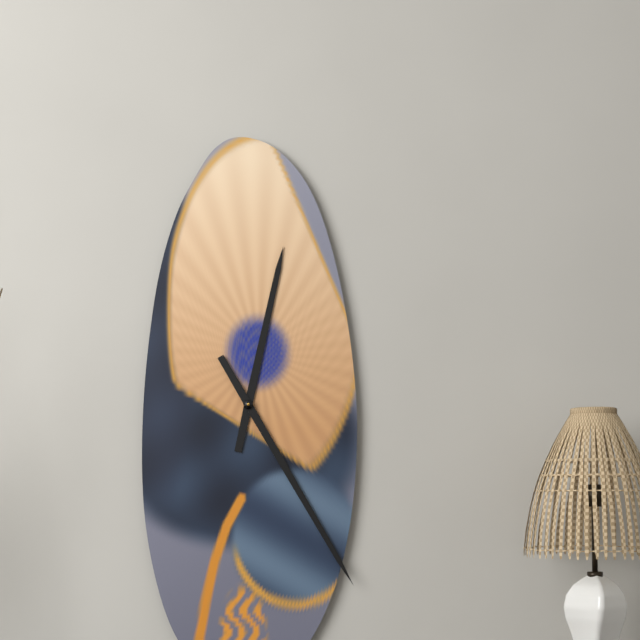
12:25
